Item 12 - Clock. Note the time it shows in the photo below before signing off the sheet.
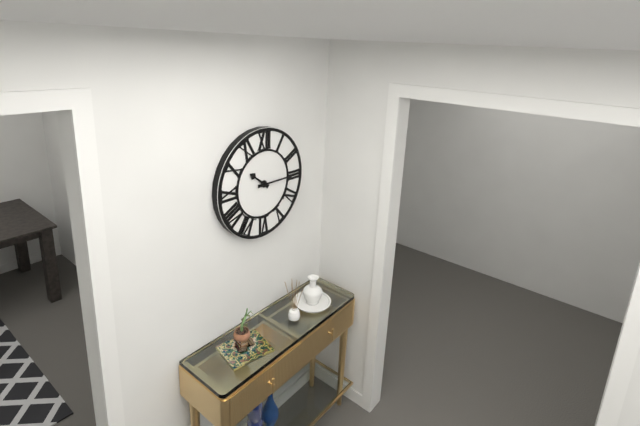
10:15
